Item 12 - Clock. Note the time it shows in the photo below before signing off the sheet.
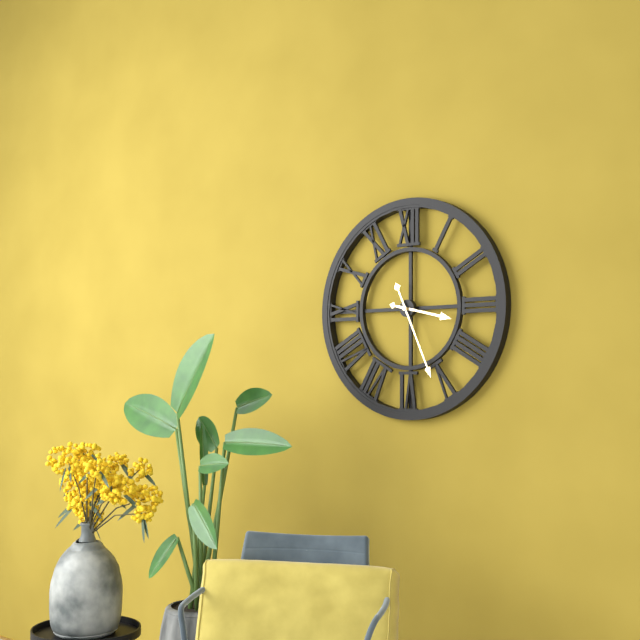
3:26
